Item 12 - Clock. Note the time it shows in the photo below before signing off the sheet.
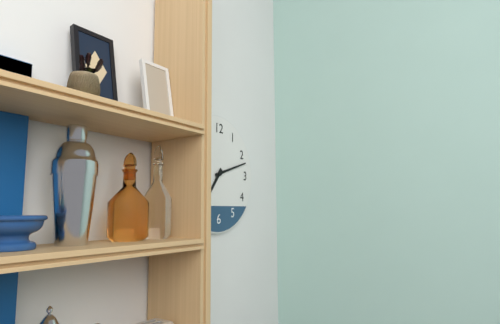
7:12
